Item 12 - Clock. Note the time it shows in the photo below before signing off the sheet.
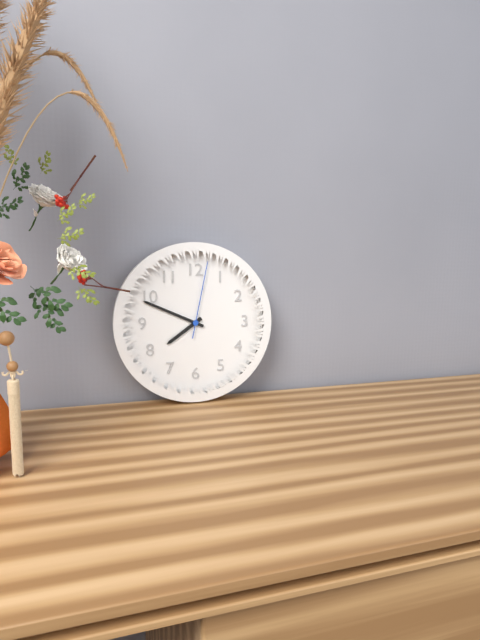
7:49:02
